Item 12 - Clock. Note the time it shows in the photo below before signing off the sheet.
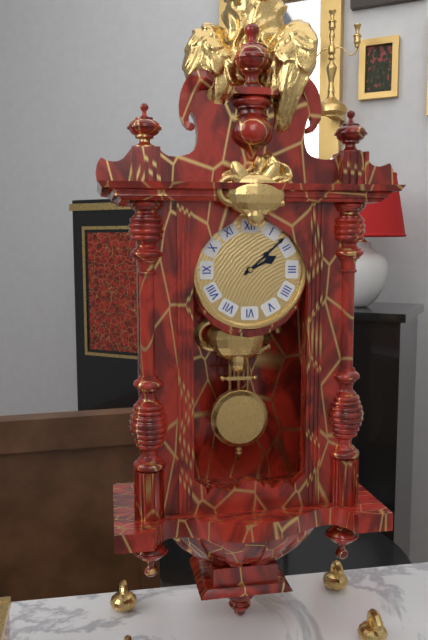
2:08
